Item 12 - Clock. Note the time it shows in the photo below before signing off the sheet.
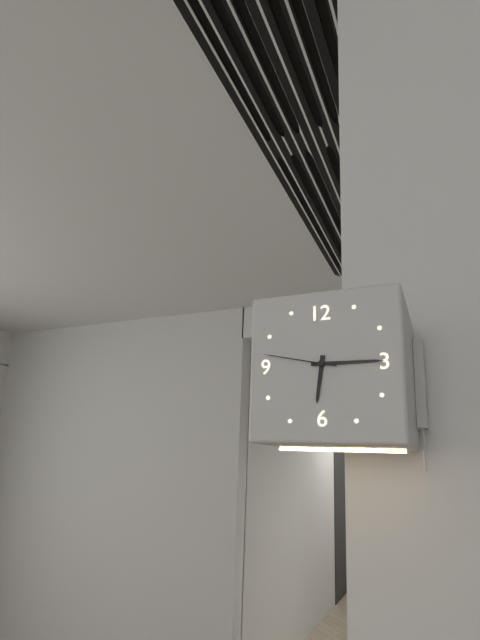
6:15:47
